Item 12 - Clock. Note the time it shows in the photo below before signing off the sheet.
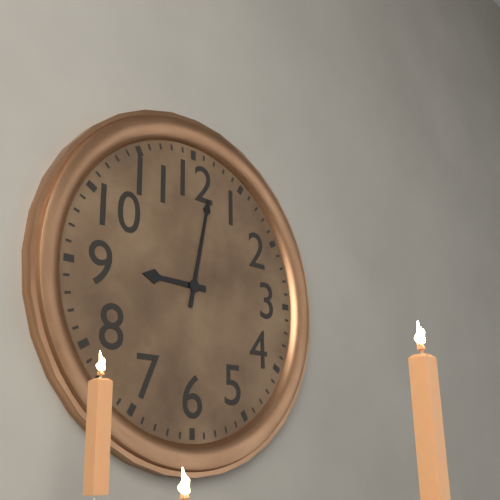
9:02
